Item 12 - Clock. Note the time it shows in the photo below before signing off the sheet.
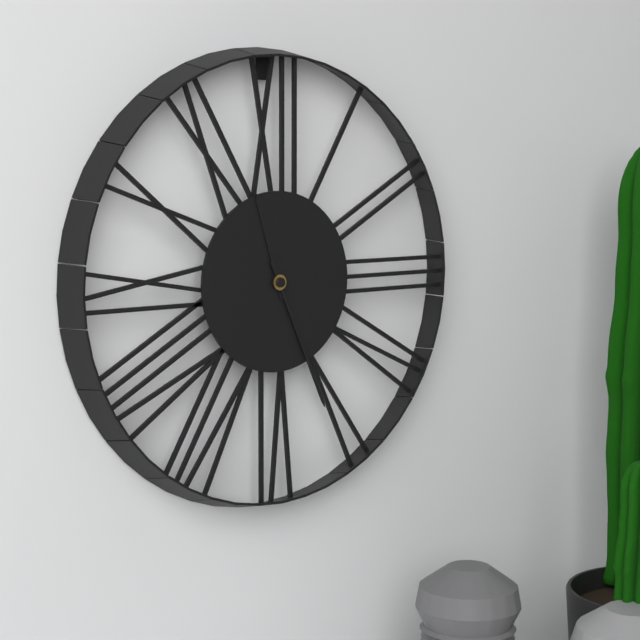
11:26
